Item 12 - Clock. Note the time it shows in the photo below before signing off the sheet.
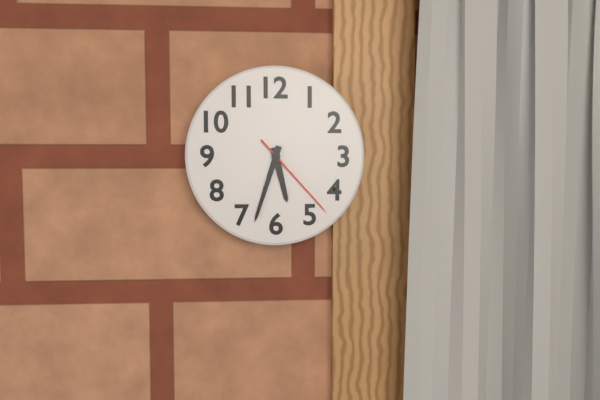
5:33:23
